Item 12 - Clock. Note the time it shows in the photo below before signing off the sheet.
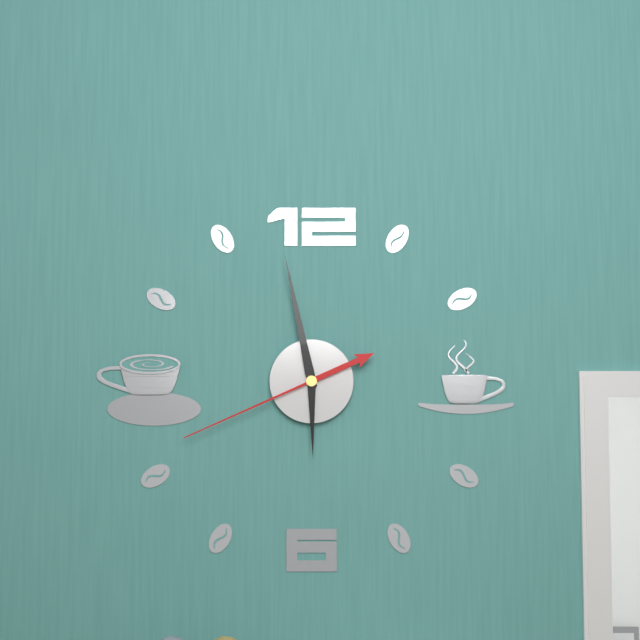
5:58:41
